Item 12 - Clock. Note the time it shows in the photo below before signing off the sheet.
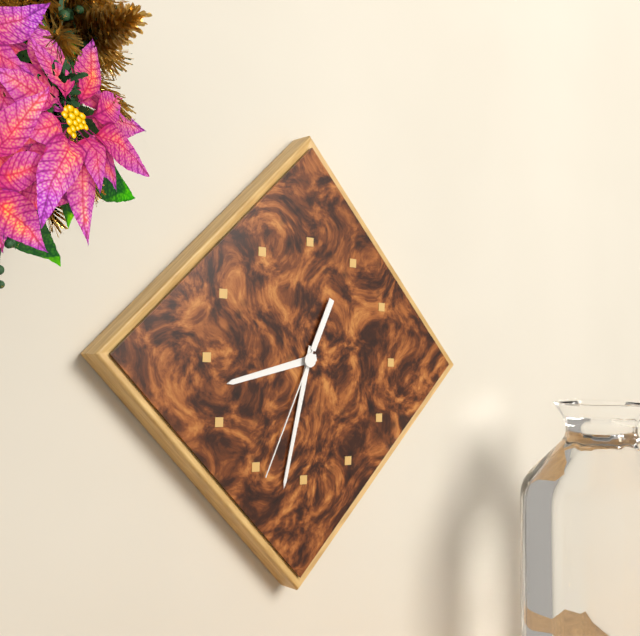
8:32:34
